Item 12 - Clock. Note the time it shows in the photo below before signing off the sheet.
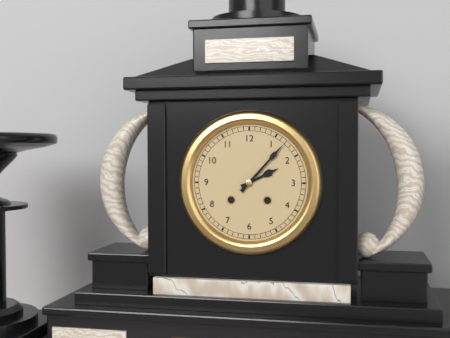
2:07
